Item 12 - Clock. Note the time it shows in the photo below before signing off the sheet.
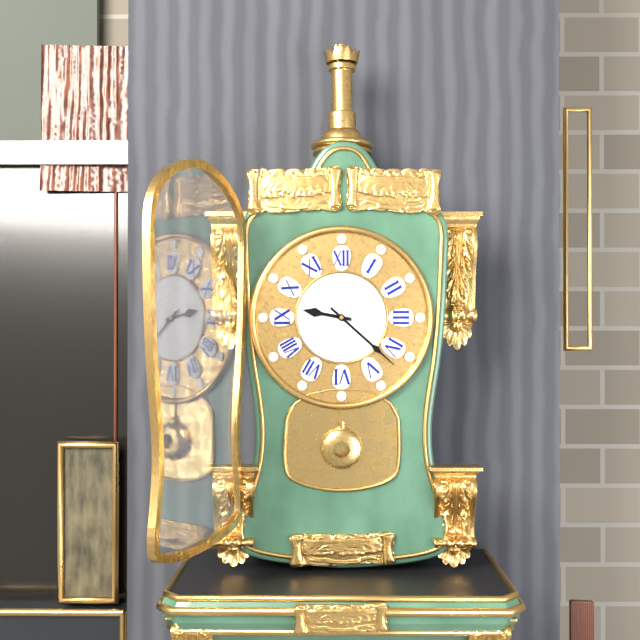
9:22
